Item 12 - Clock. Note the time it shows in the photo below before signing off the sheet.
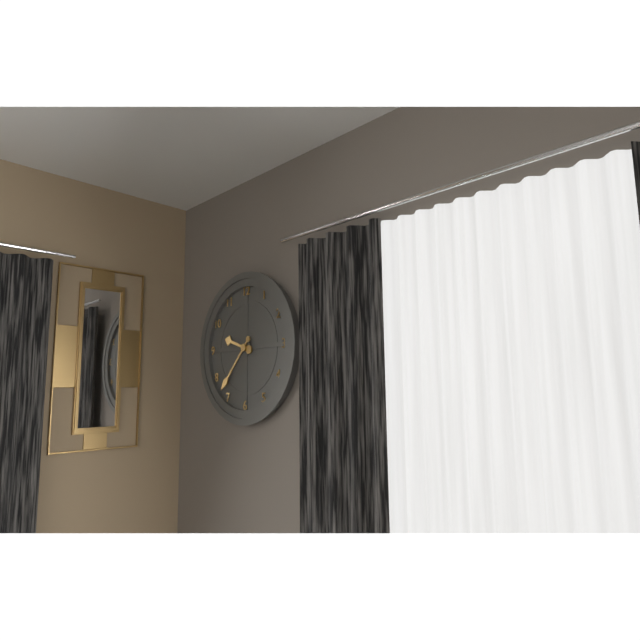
9:37
